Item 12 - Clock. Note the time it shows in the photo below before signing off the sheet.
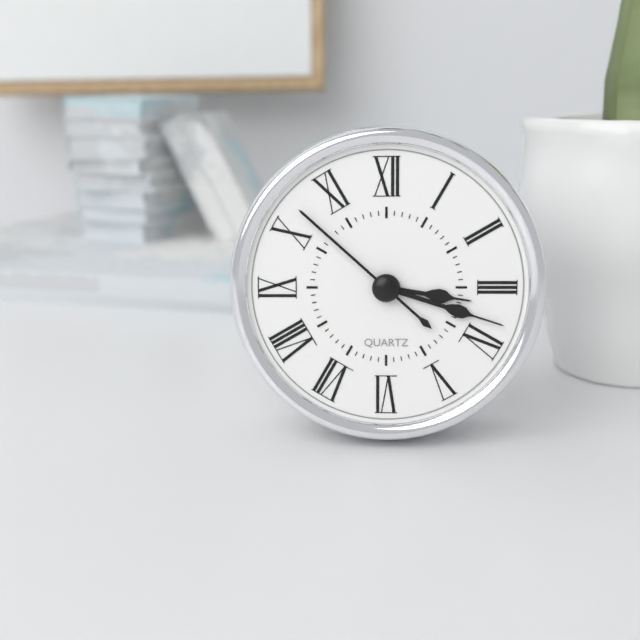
3:18:52
